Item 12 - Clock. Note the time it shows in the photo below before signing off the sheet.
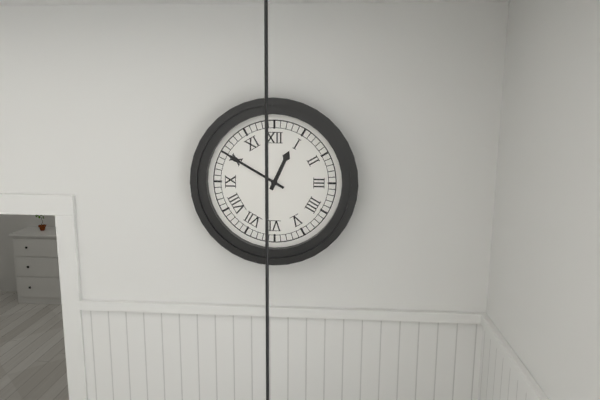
12:50
